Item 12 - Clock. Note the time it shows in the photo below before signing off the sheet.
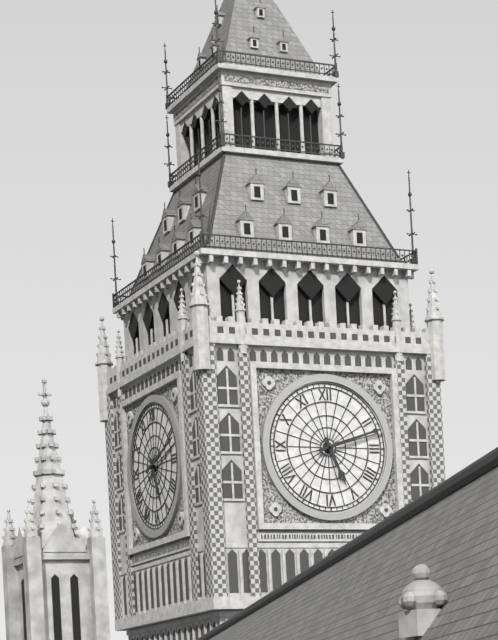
5:12
